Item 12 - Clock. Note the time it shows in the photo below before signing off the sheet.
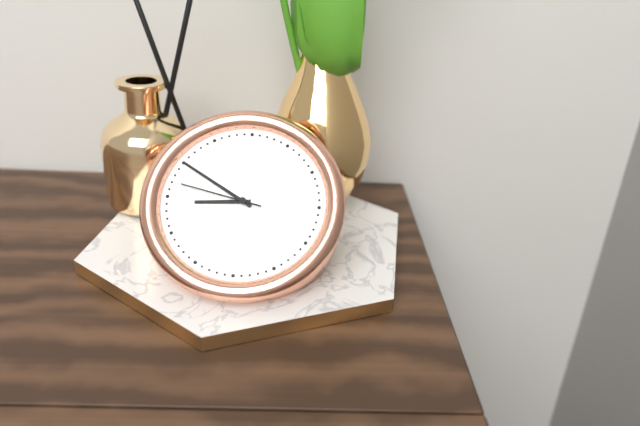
8:50:47
